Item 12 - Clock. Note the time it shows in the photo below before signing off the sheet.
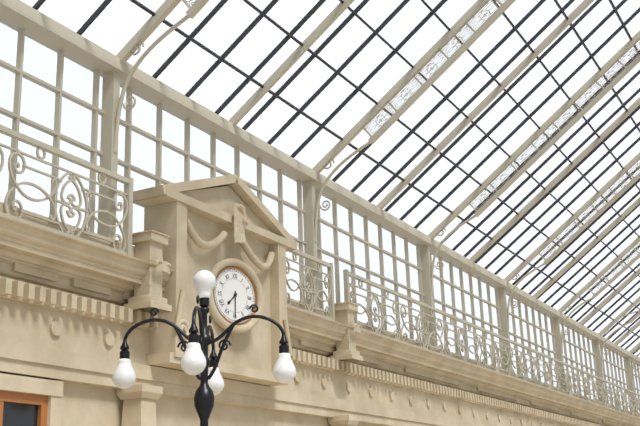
7:30
